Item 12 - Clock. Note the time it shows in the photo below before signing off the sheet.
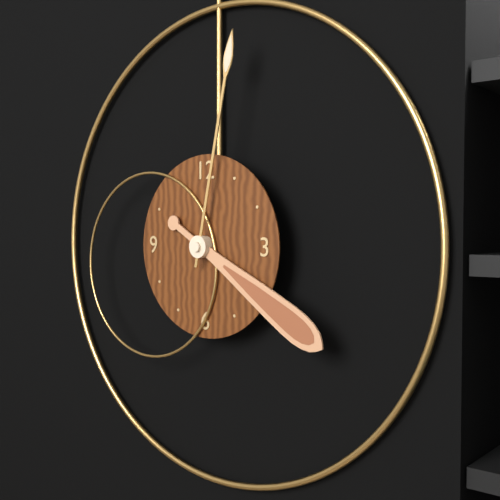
4:02
